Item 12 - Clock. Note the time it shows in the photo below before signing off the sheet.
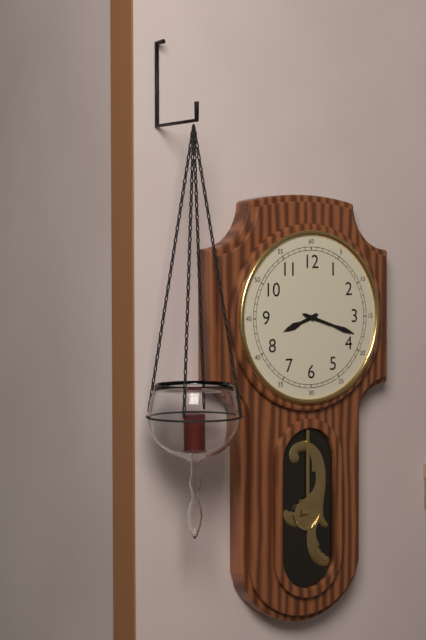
8:18
